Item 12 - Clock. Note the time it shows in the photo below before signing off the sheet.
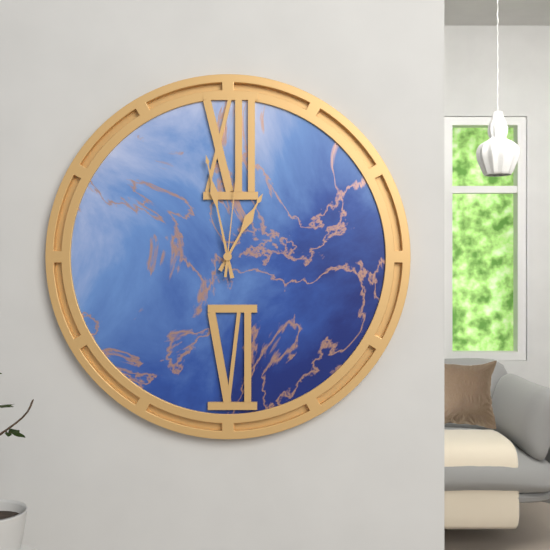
12:58:01
